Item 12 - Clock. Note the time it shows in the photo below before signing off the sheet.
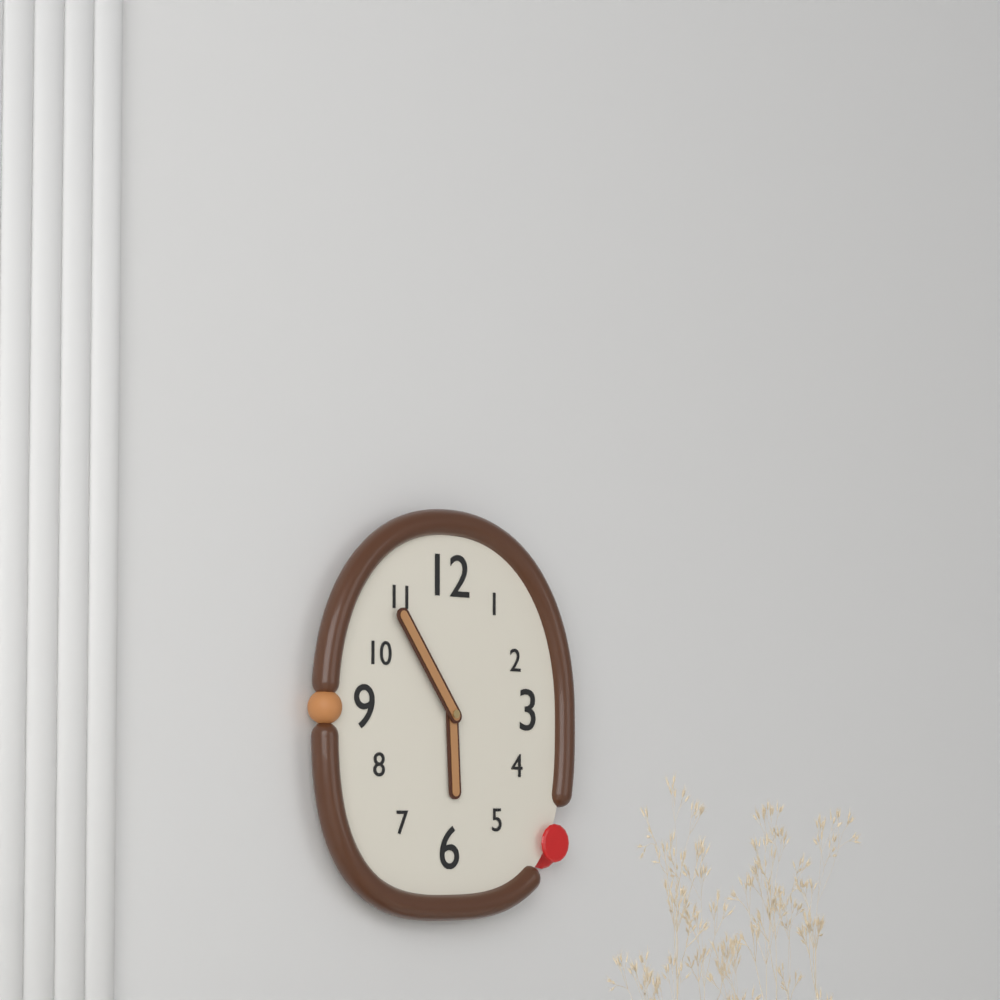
5:54
